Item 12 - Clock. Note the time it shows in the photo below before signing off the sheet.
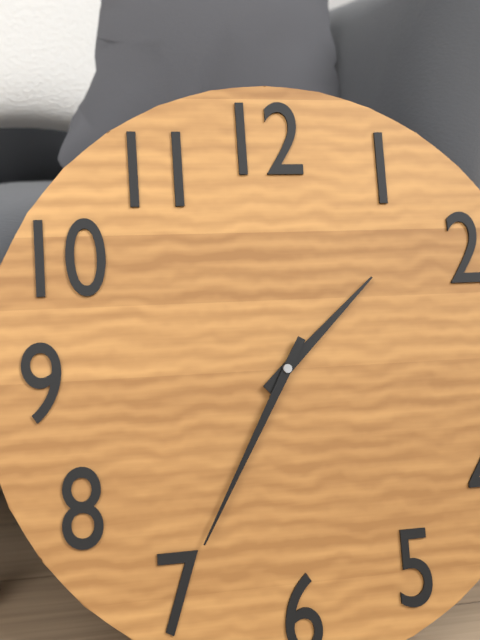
1:35
